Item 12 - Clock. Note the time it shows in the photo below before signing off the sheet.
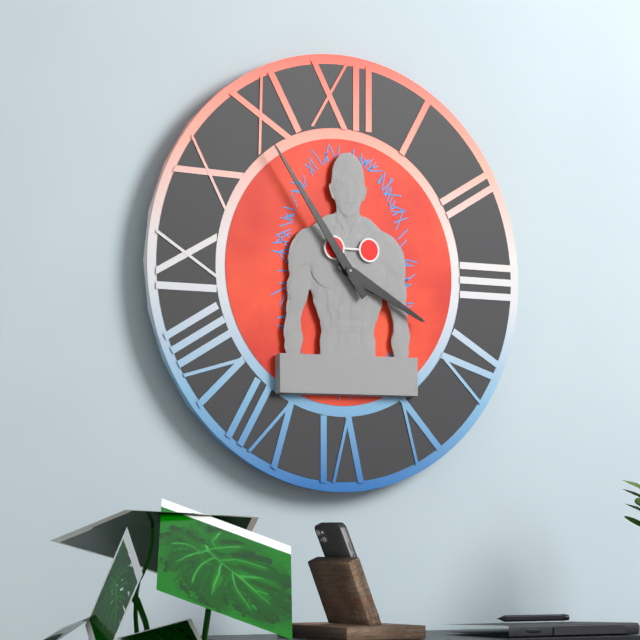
3:54
